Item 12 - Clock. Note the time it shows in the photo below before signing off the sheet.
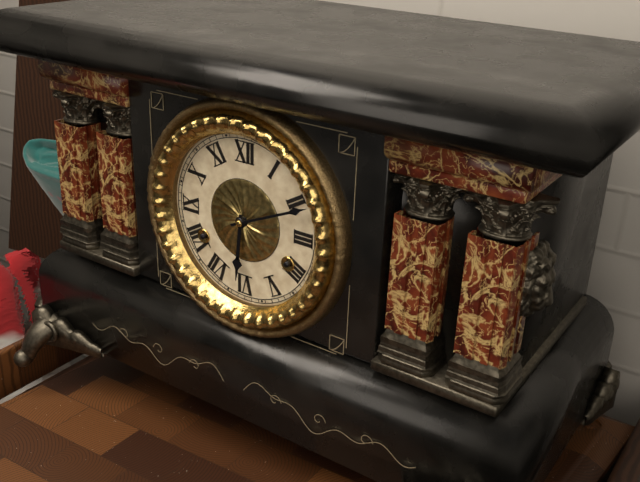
6:11
